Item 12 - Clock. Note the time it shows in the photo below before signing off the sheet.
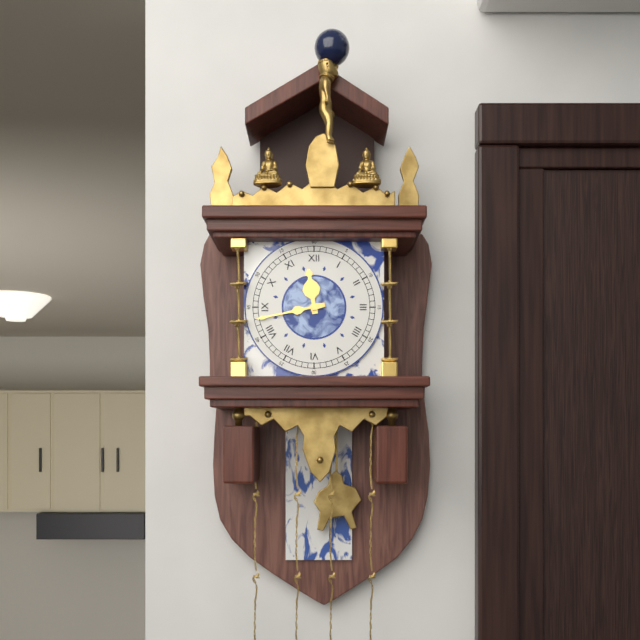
11:43
